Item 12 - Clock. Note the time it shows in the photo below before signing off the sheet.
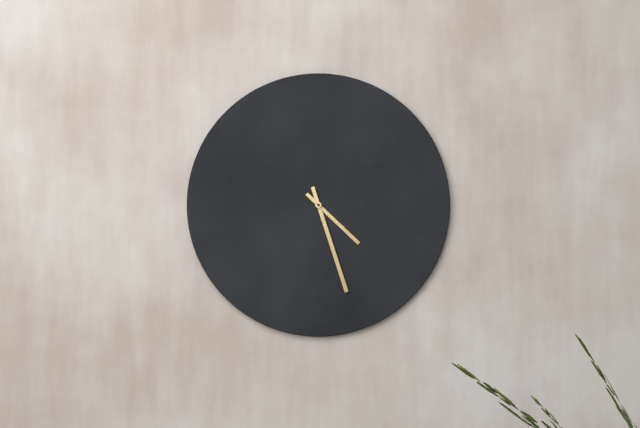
4:27
